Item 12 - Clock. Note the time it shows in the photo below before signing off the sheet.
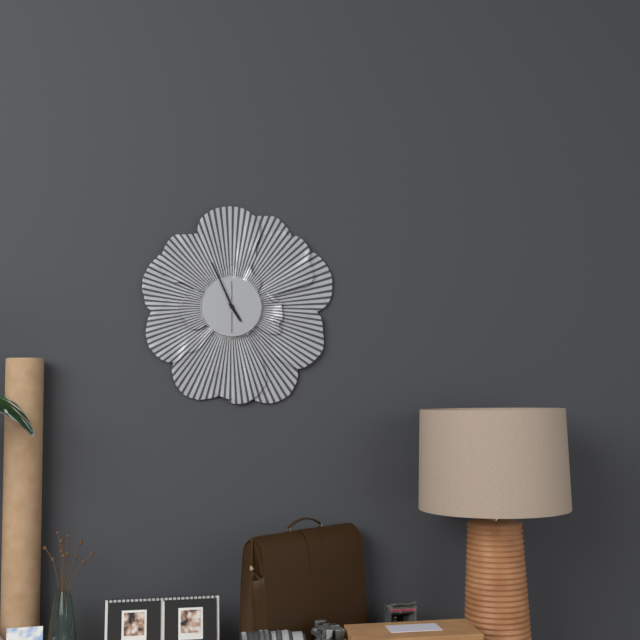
4:56
